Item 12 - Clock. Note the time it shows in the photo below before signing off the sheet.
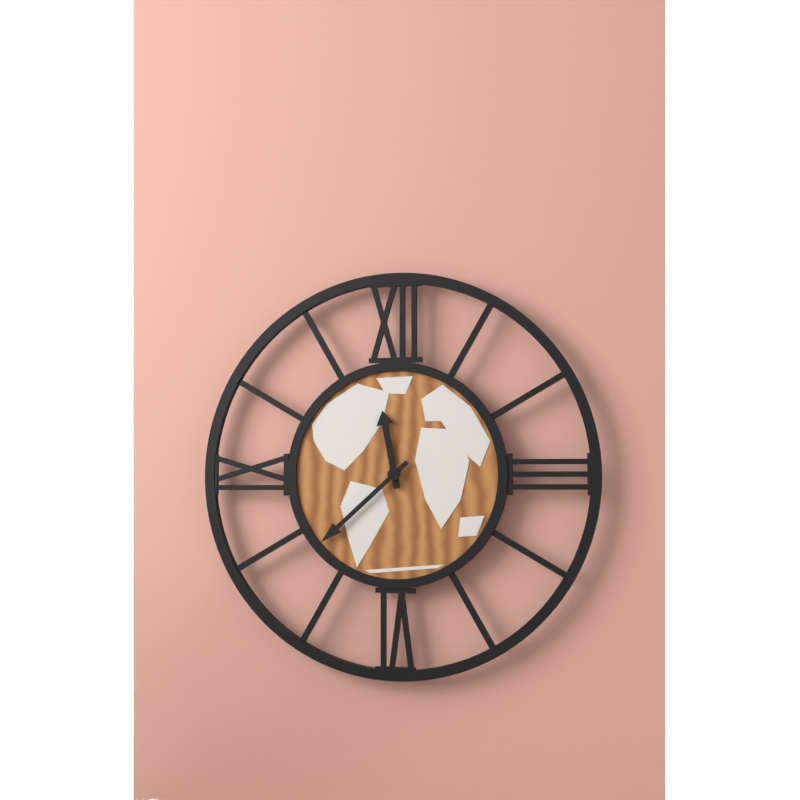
11:38
